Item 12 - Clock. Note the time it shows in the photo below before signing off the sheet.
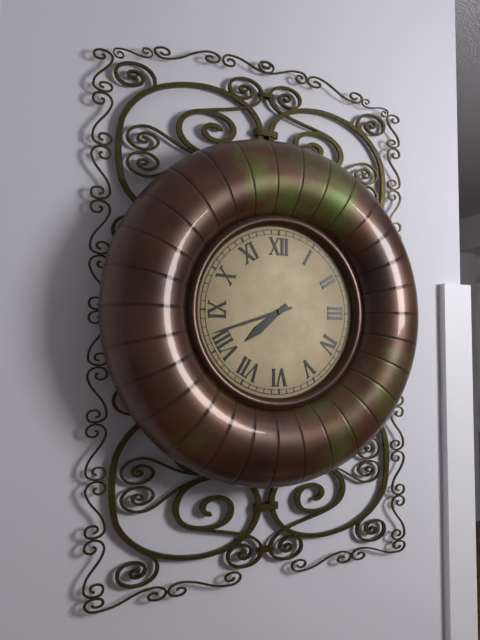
7:42
